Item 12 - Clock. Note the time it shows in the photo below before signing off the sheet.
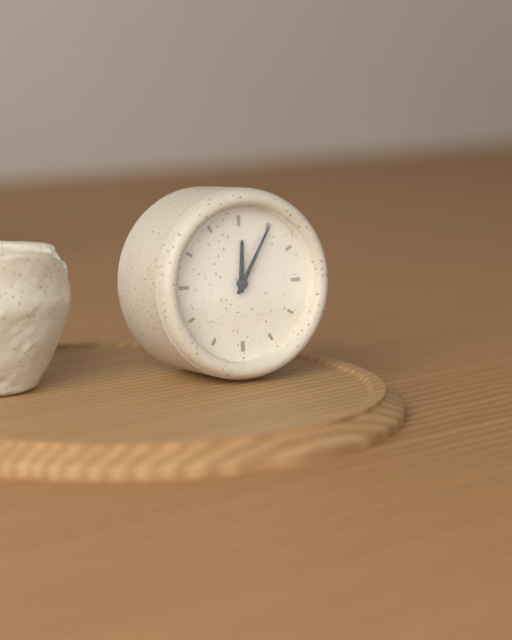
12:05
